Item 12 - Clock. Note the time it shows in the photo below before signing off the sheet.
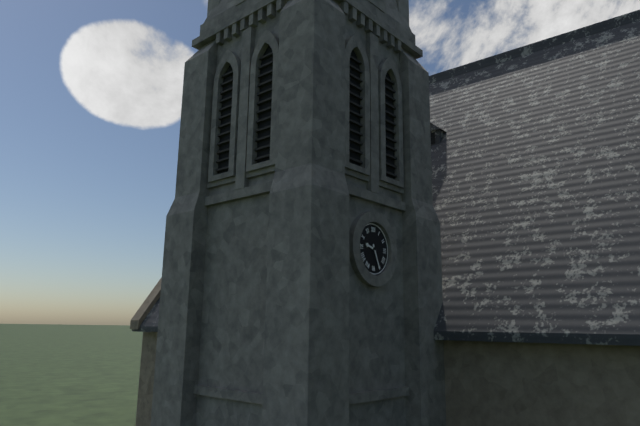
9:26
